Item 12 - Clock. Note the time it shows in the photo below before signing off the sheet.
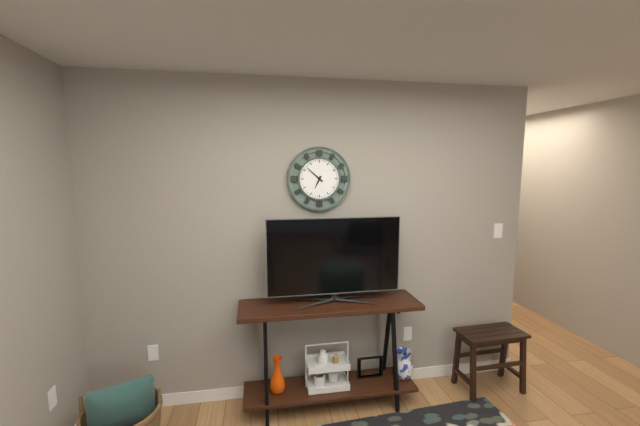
6:52
